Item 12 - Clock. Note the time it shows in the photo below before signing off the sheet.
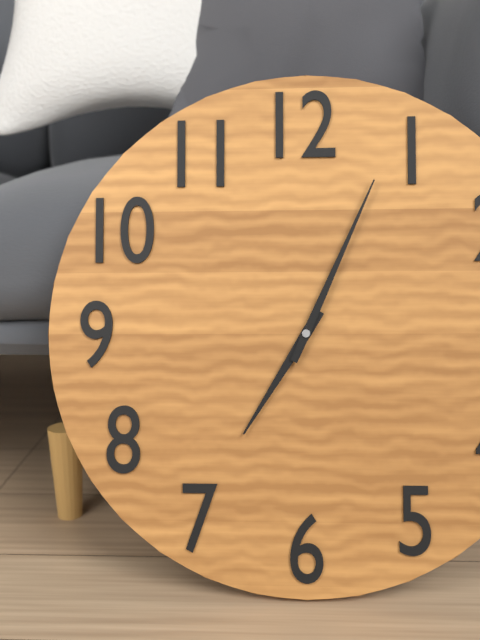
7:04
